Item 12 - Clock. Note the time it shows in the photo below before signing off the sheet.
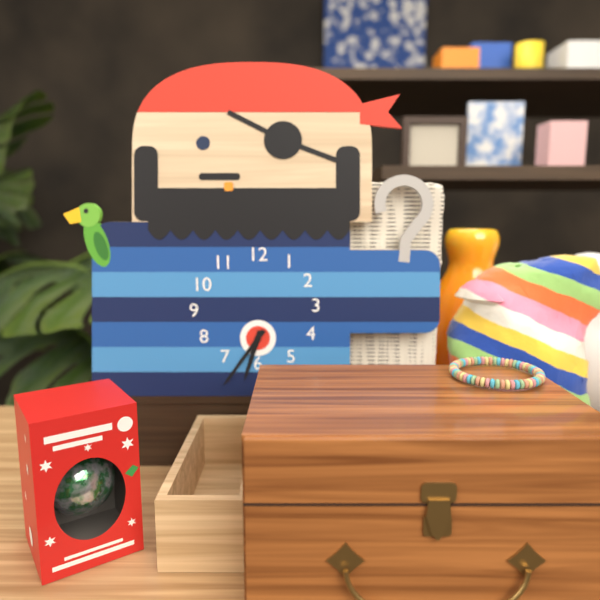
6:36
